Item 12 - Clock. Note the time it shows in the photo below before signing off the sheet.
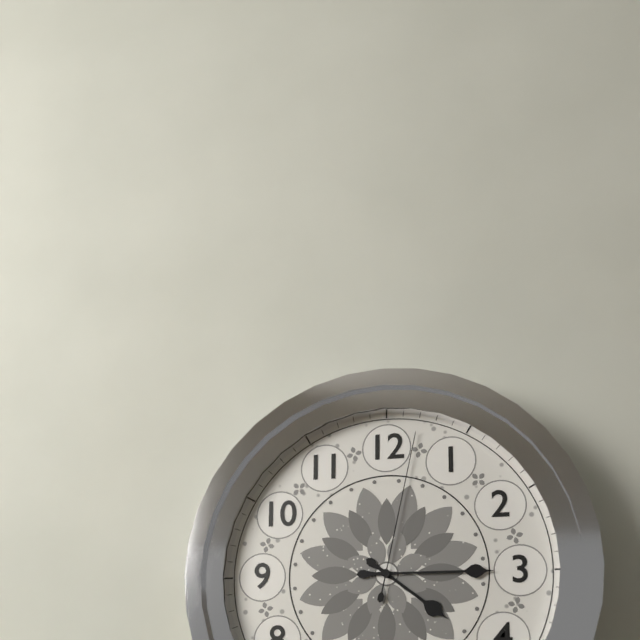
4:15:02
